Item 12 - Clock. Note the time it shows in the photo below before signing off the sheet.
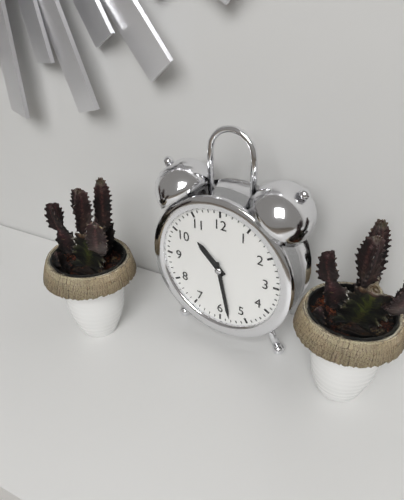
10:28
